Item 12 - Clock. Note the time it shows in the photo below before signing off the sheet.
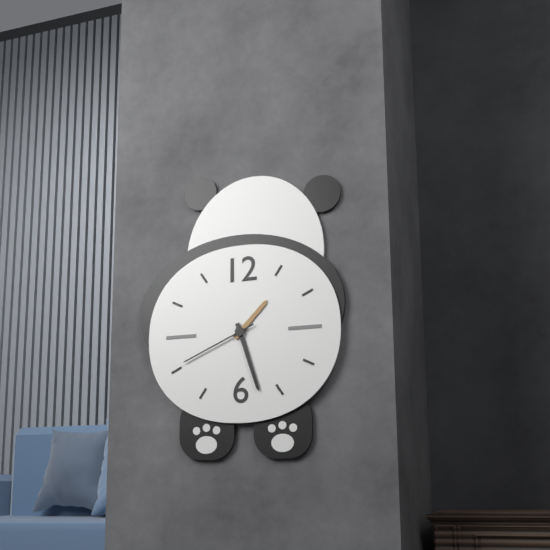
1:27:41
